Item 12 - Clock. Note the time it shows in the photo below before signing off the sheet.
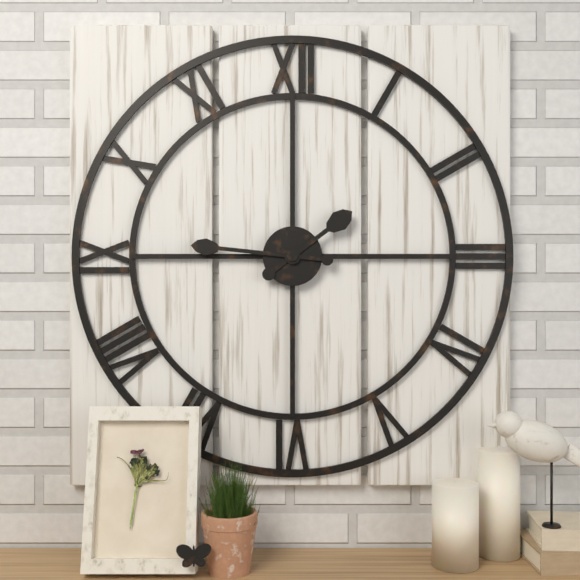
1:46
